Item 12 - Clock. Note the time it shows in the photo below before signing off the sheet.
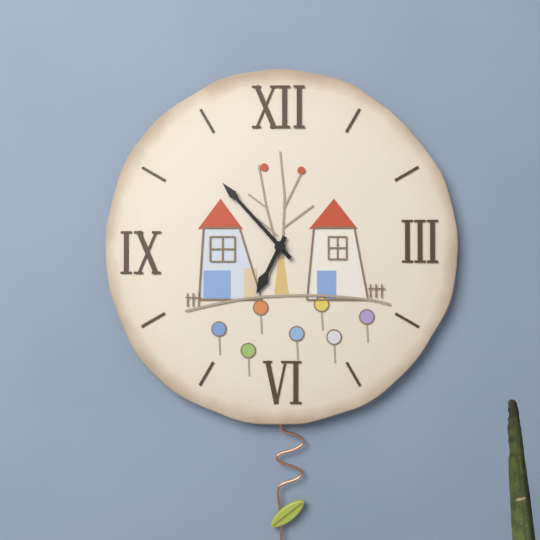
6:53
